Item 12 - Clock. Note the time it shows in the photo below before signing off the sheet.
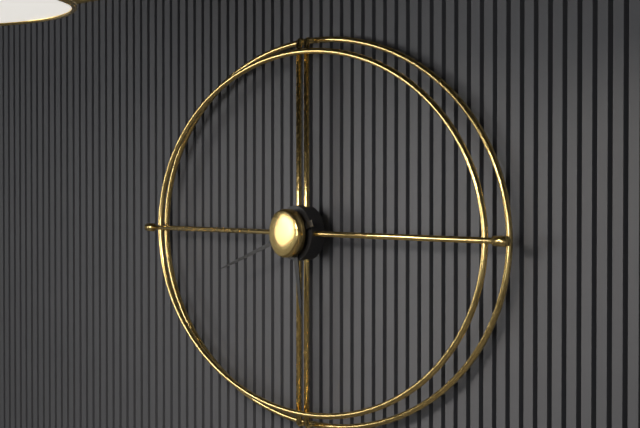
5:42
